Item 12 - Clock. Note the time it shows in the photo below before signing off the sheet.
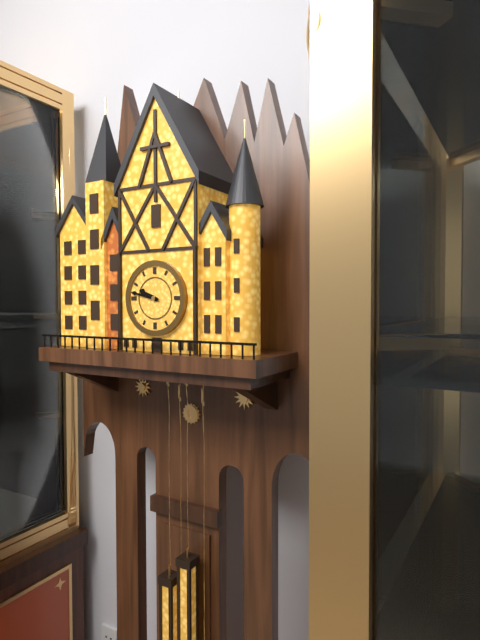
9:47
